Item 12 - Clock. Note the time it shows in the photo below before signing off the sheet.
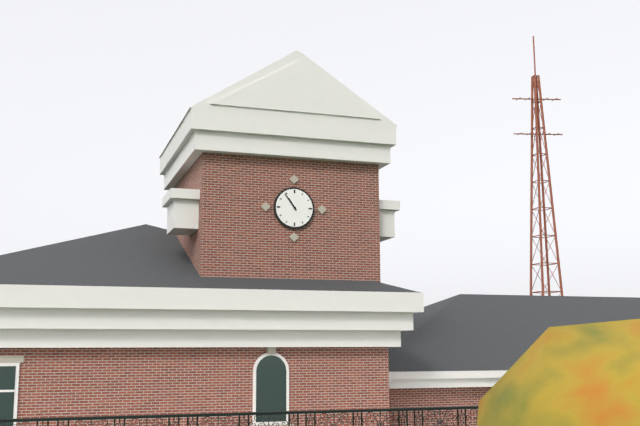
10:54
